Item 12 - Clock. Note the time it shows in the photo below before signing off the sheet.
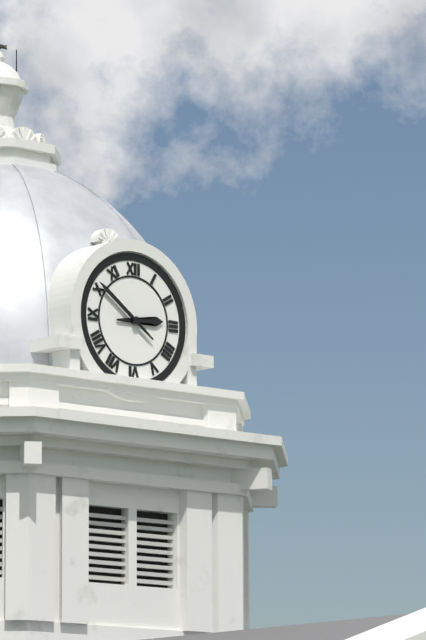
2:51
